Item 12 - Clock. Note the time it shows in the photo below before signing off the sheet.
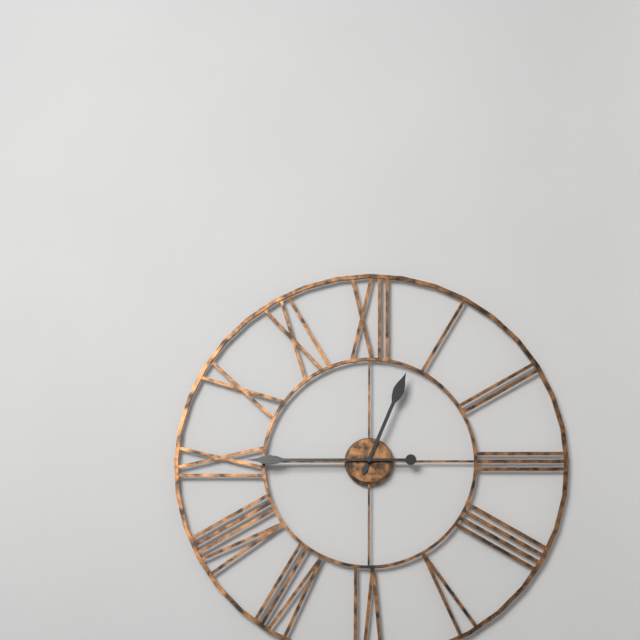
12:45
